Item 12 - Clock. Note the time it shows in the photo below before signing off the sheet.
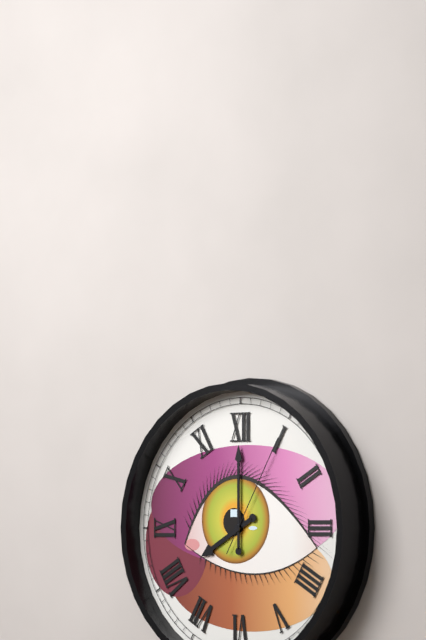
8:00:05
